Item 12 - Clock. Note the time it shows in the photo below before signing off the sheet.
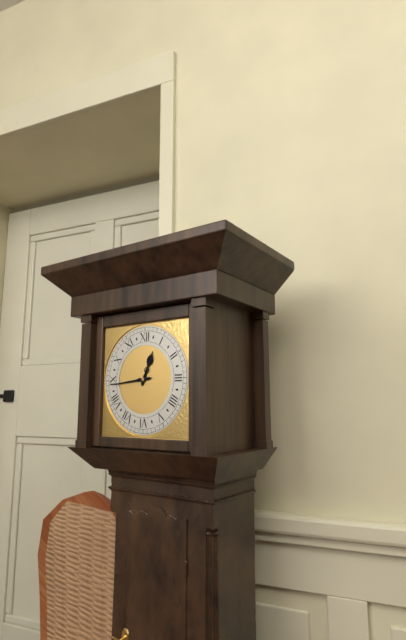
12:44
